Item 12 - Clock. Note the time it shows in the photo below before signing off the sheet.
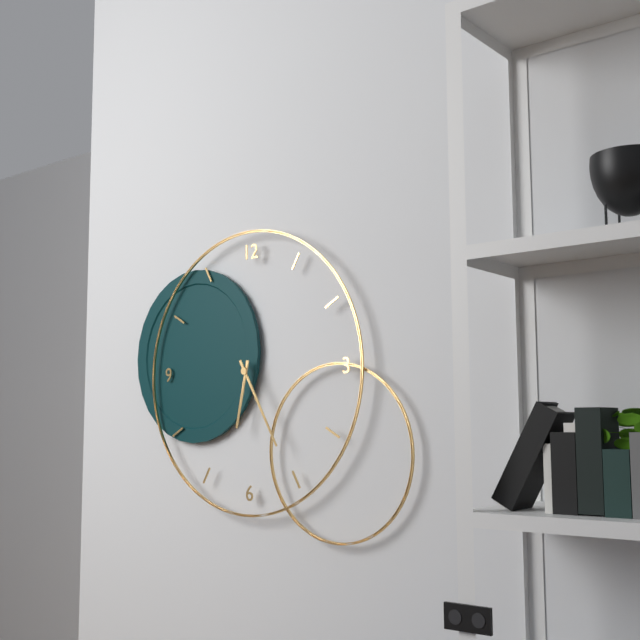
6:25
